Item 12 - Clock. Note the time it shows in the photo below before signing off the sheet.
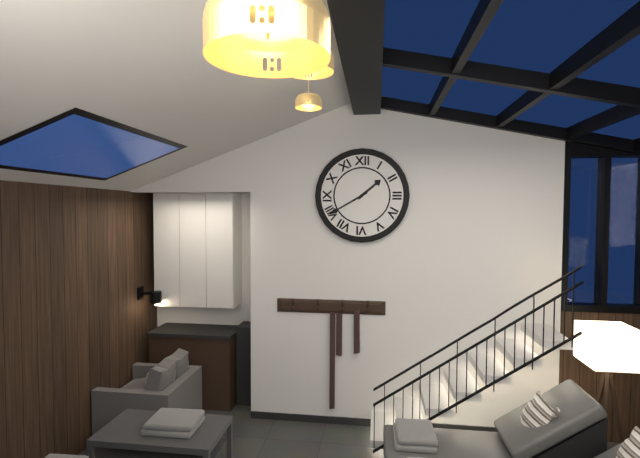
1:40
